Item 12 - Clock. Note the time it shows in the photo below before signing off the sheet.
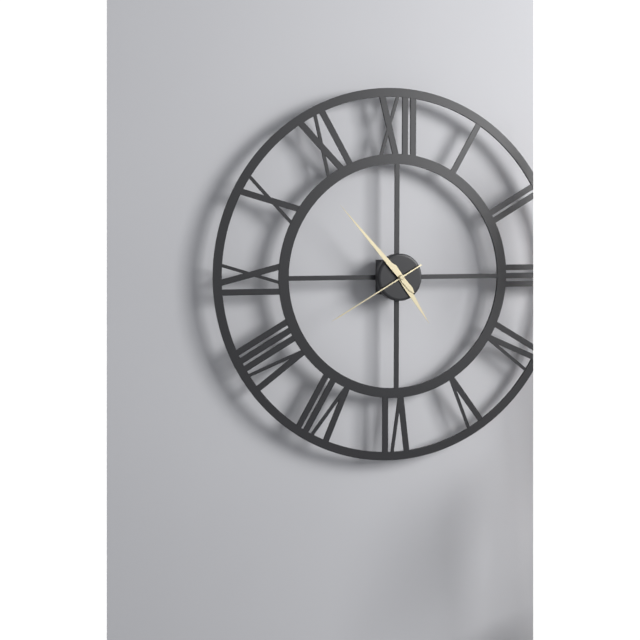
4:53:40
